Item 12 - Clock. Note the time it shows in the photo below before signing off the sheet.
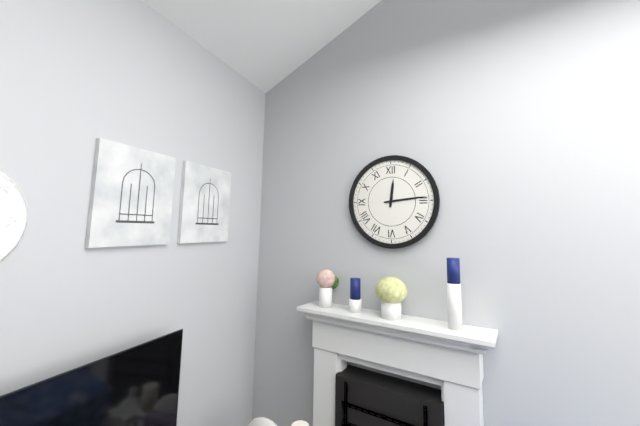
12:14
